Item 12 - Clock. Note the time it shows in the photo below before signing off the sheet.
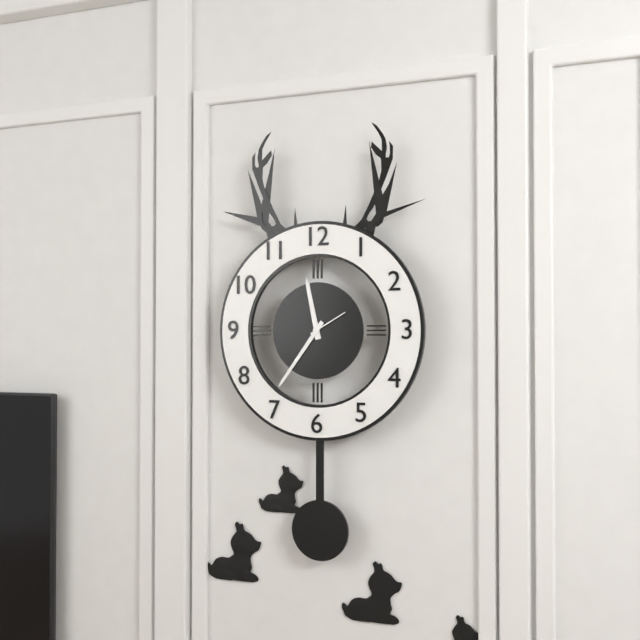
11:36
